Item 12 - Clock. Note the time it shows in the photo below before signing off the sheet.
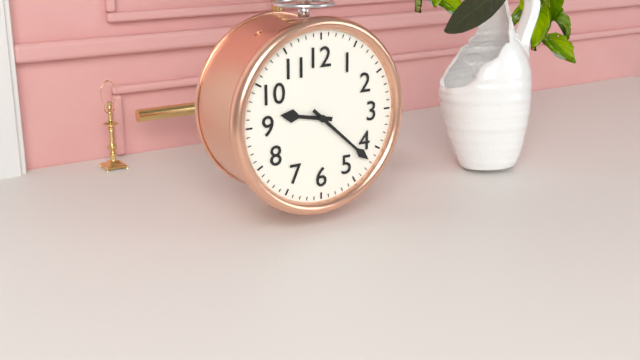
9:22
